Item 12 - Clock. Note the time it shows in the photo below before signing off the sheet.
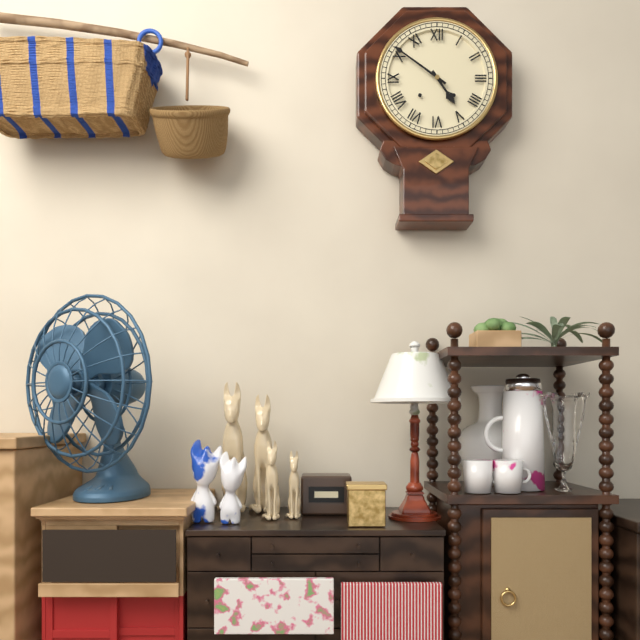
4:51
